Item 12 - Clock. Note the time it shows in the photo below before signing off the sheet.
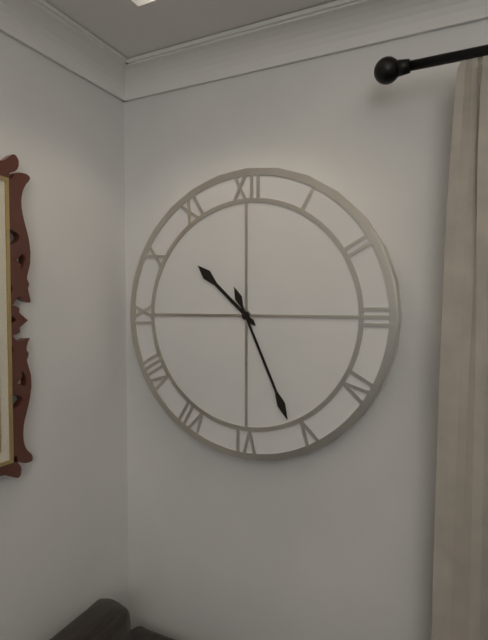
10:26
